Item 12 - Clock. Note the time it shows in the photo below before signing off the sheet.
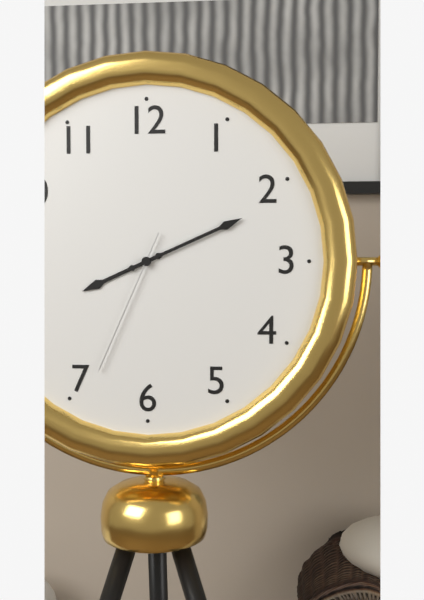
8:11:34
